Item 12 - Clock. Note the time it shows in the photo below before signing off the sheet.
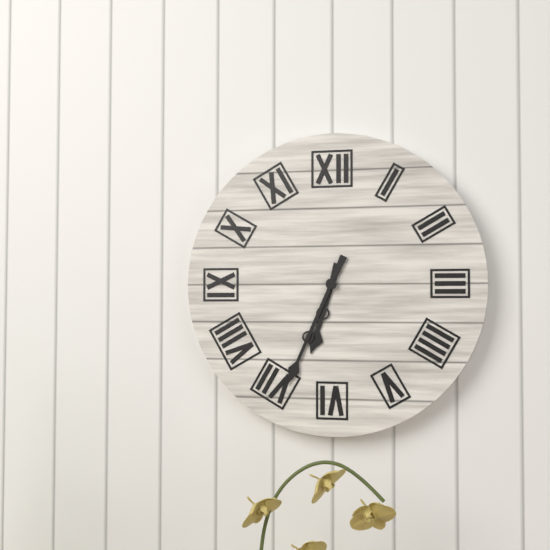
6:34
